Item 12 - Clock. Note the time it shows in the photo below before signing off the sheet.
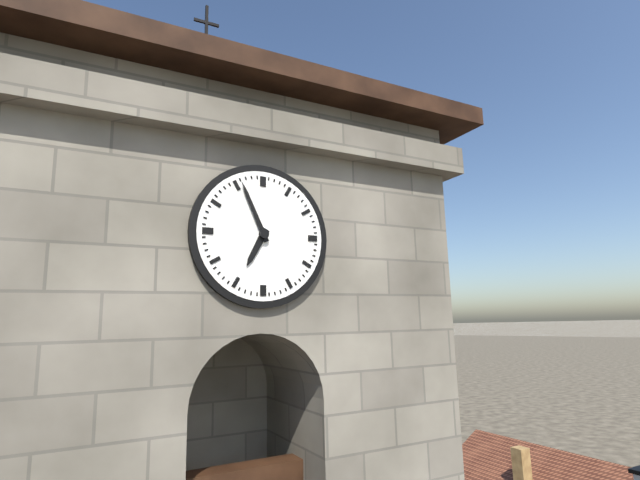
6:56
